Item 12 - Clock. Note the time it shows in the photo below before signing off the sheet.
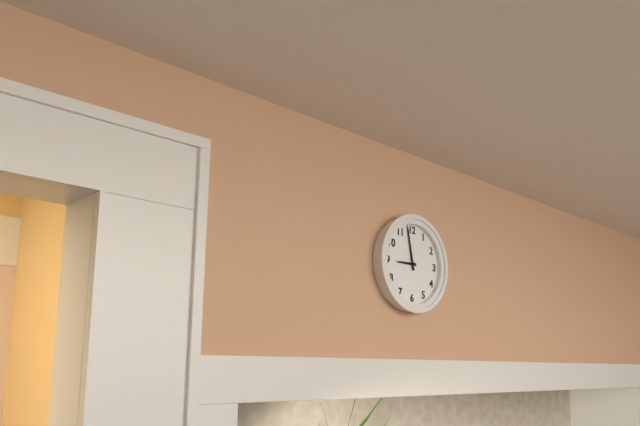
8:58
